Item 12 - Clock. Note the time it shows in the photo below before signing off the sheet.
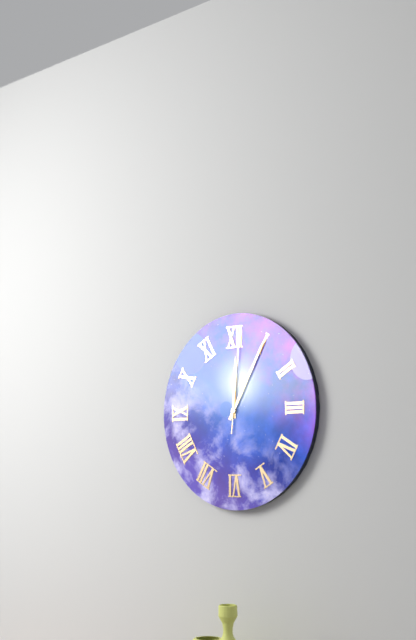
12:05:01
